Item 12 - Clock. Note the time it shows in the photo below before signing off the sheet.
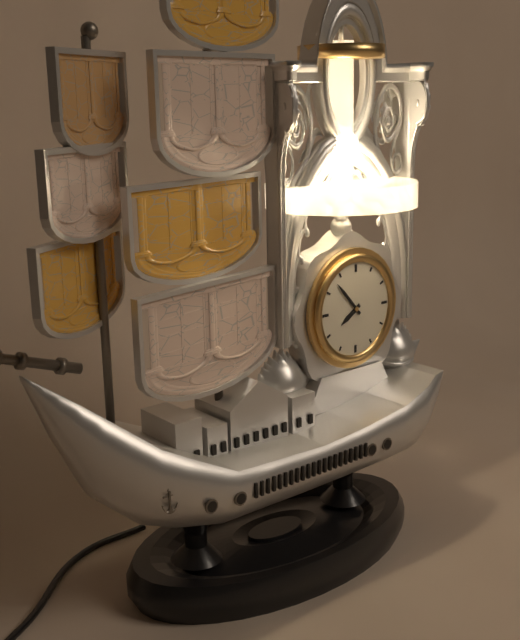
7:53
